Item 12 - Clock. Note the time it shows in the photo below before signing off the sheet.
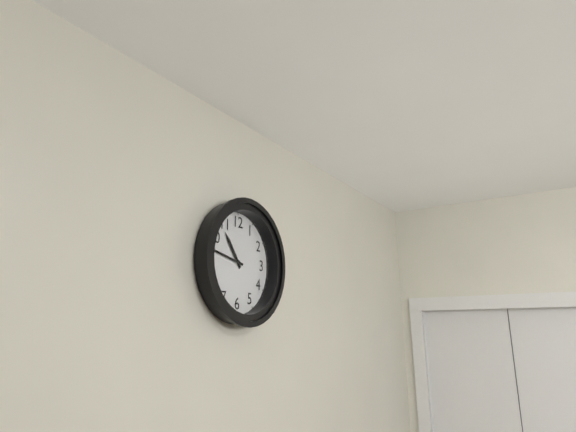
10:47
